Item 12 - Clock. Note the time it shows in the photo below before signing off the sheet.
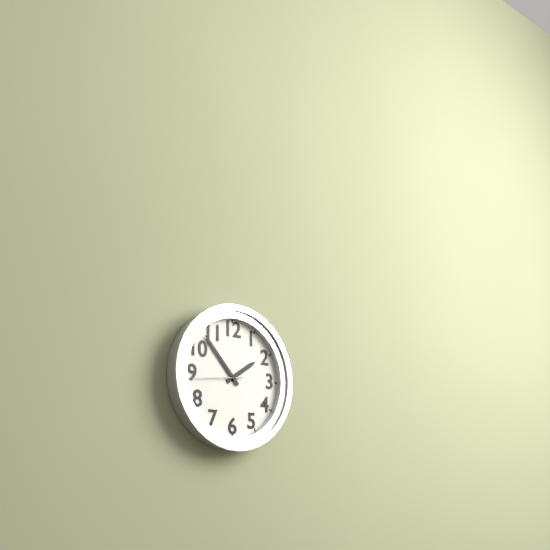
1:53
